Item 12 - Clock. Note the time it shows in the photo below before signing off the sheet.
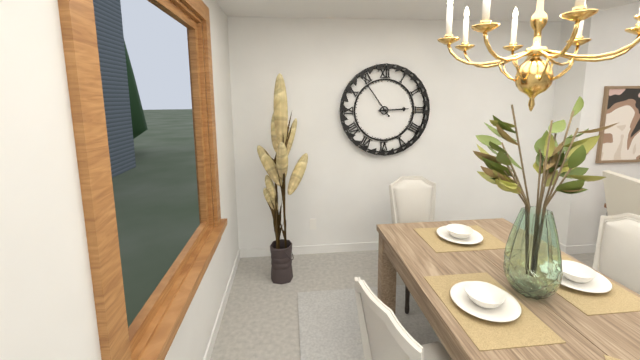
2:54
